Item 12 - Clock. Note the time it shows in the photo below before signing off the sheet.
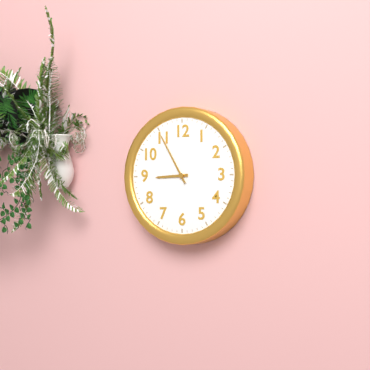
8:55
